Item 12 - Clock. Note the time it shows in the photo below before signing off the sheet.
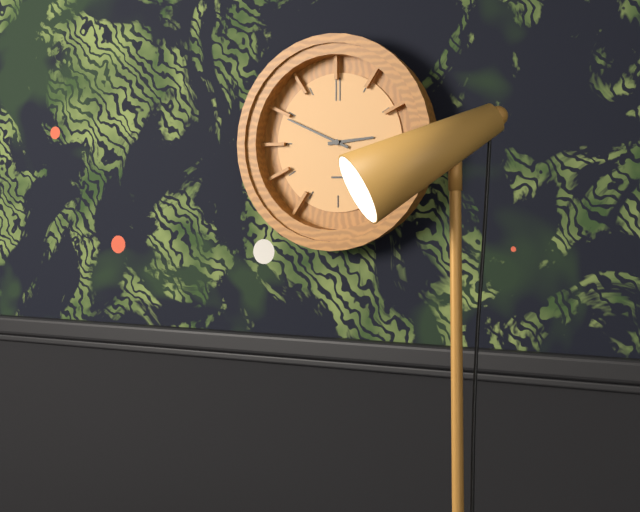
2:49
